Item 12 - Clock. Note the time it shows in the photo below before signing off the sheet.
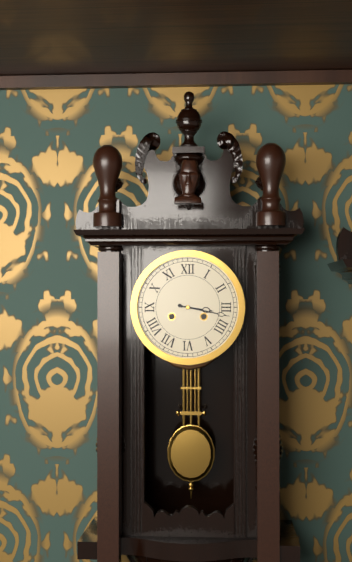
3:17
